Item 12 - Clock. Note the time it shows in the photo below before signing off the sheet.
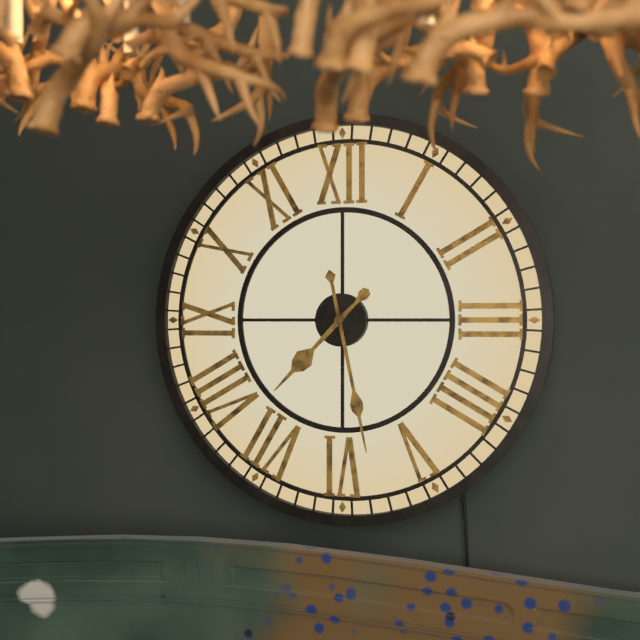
7:28
